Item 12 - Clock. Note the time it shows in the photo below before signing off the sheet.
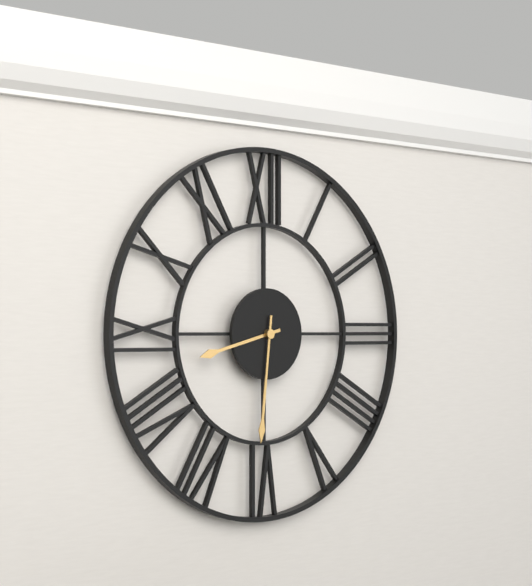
8:31
